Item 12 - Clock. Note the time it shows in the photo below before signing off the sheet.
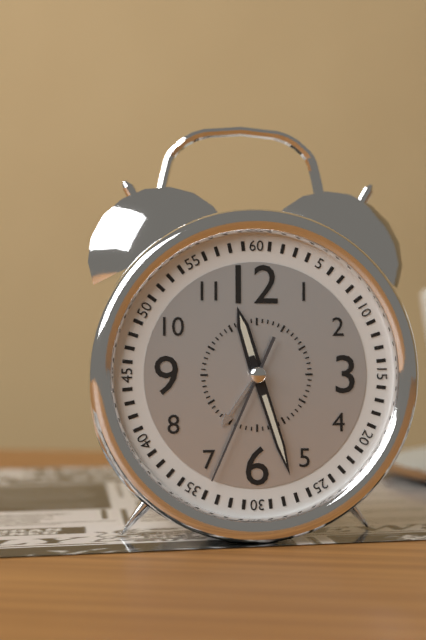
11:27:34
